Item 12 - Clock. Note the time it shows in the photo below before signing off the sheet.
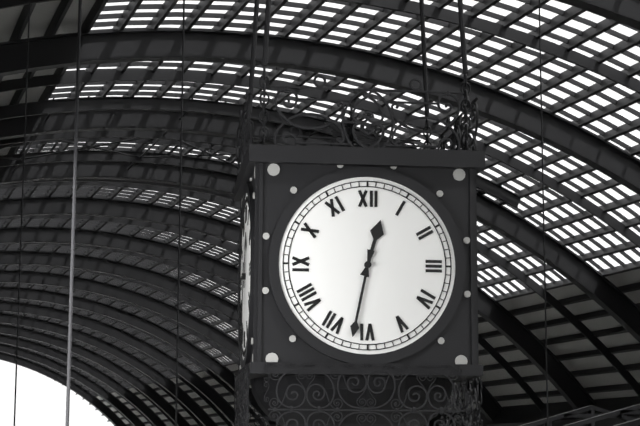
12:32
